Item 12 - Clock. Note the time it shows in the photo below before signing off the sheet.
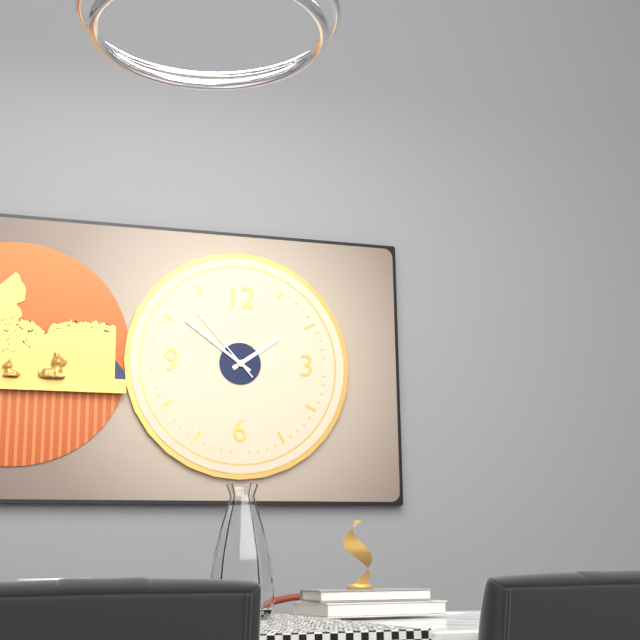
1:51:53
